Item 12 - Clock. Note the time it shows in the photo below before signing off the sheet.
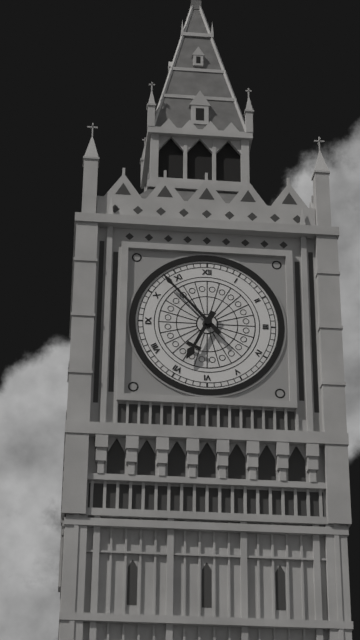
6:53
